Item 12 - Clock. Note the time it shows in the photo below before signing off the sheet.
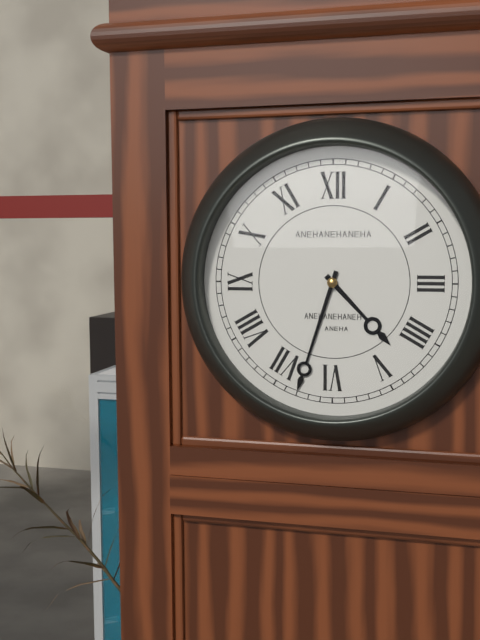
4:33
